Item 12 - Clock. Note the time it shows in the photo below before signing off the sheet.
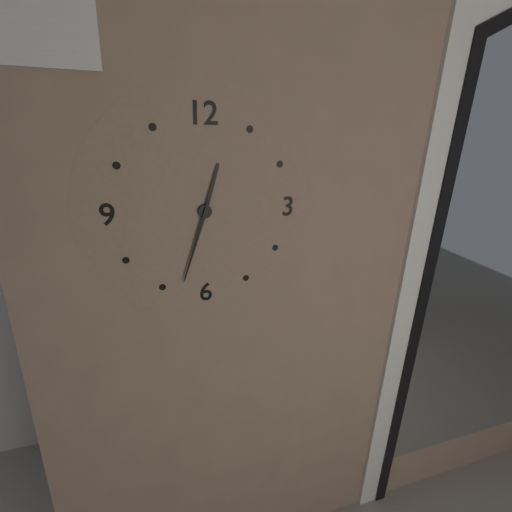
12:33
